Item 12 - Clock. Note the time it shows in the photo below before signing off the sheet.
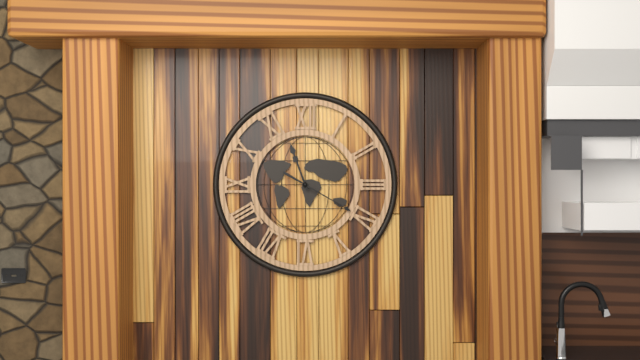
11:20
